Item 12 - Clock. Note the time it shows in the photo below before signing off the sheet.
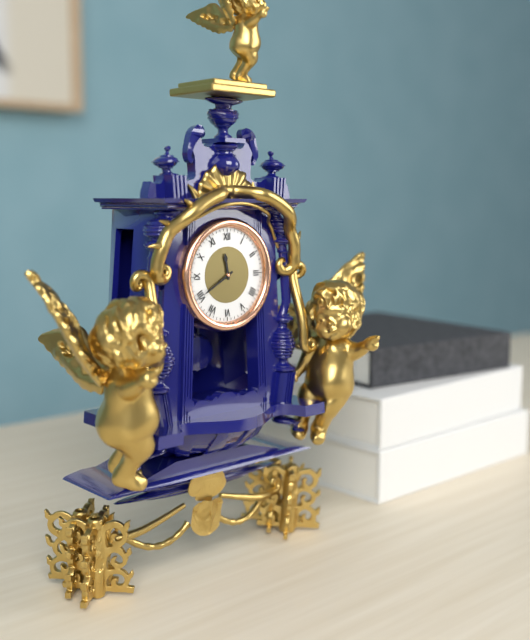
11:40
